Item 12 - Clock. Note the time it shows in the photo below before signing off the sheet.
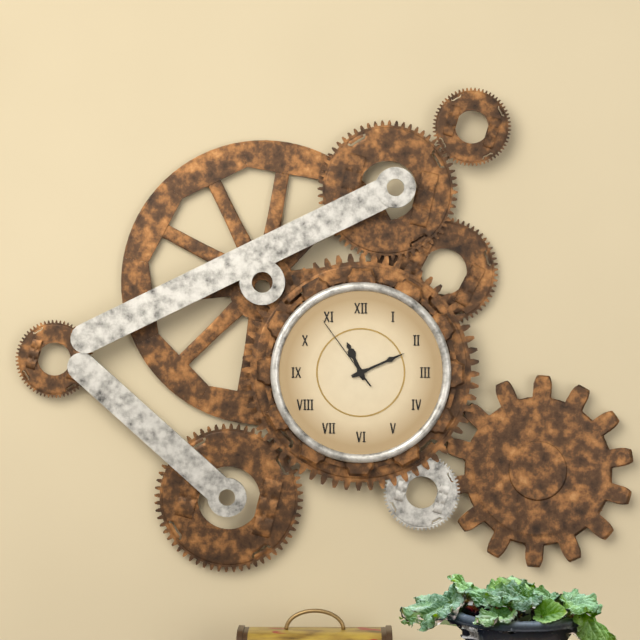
11:11:54
